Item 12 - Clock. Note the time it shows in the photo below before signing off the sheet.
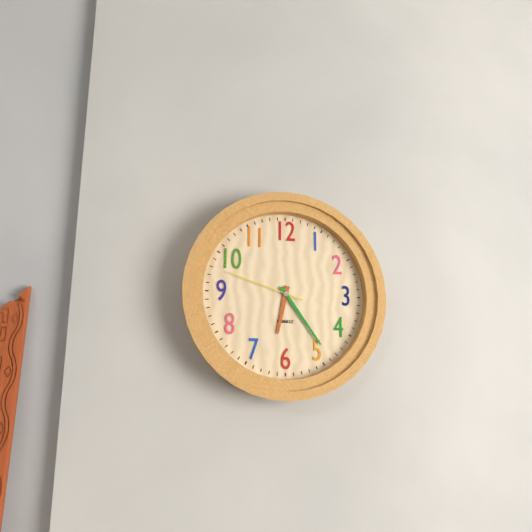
6:24:48
